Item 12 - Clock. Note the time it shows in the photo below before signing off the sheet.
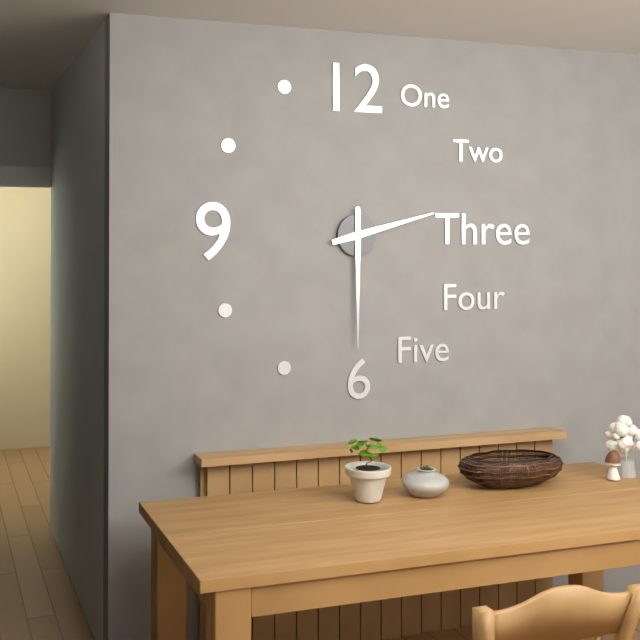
2:30
